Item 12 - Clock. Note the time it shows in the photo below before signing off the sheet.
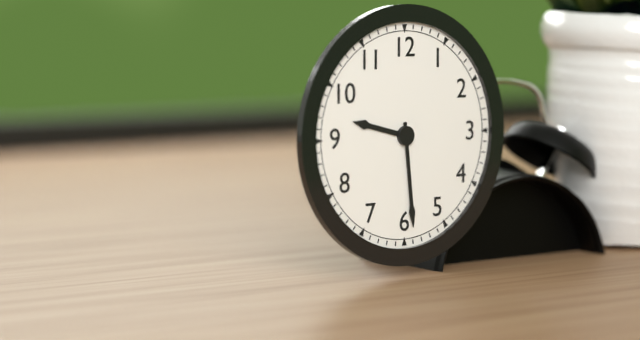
9:29
